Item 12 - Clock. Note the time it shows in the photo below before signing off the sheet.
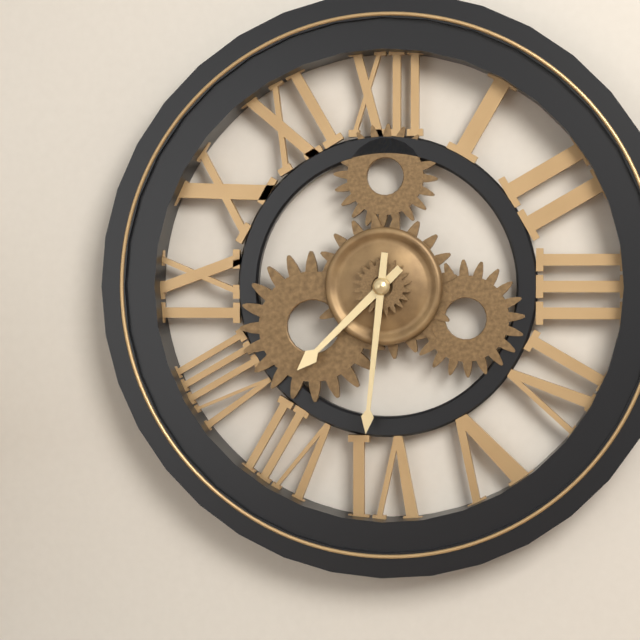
7:31
